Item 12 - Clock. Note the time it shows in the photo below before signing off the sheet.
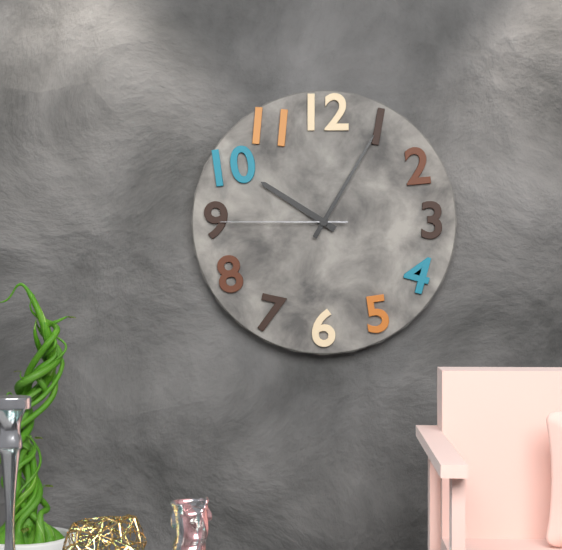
10:05:45
